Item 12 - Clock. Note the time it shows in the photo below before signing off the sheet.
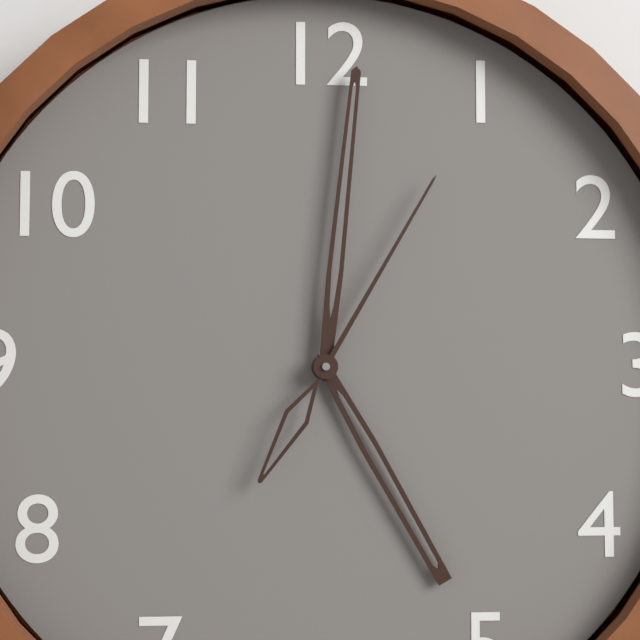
5:01:05
